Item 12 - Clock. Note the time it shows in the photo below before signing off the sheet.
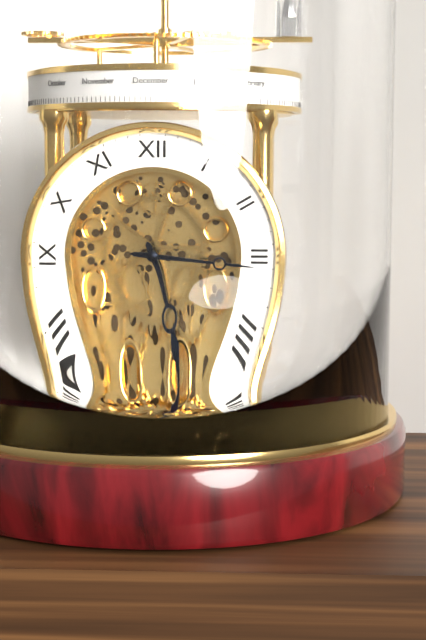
5:16
